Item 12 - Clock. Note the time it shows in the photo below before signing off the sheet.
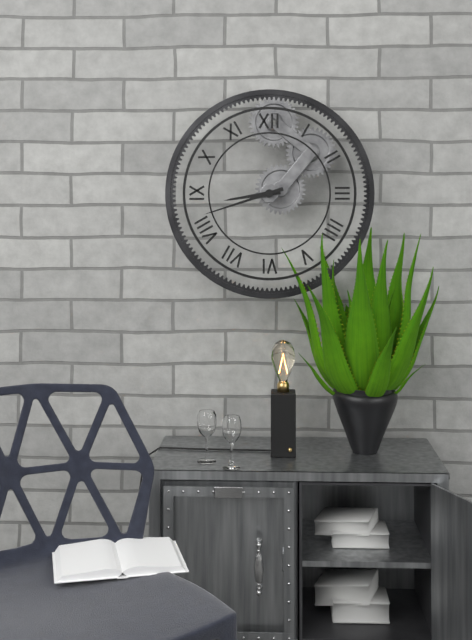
8:42
